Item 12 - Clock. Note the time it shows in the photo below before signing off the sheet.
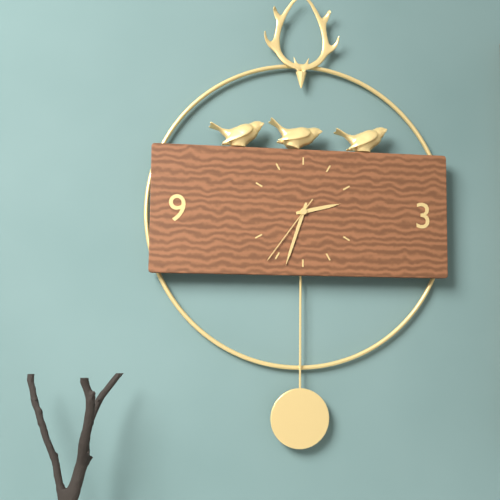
2:33:36
